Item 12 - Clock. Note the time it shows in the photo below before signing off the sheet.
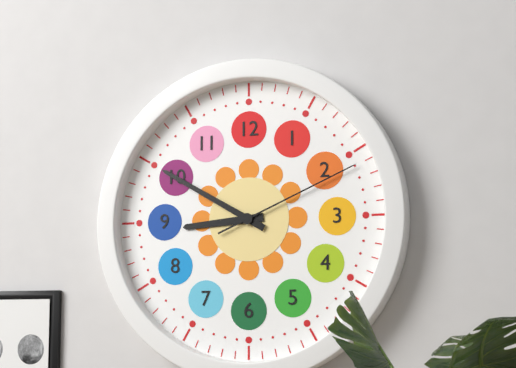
8:50:11
